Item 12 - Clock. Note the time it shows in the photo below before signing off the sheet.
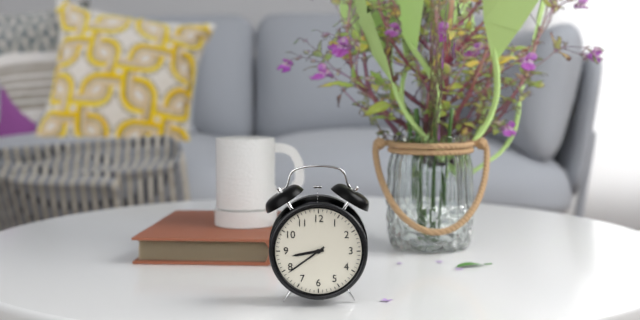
8:39
